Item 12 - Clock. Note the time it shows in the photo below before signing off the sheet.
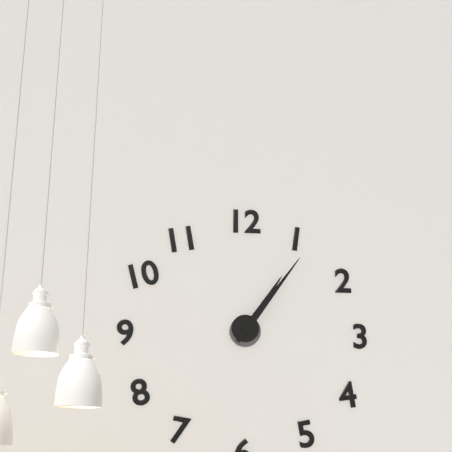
1:06
